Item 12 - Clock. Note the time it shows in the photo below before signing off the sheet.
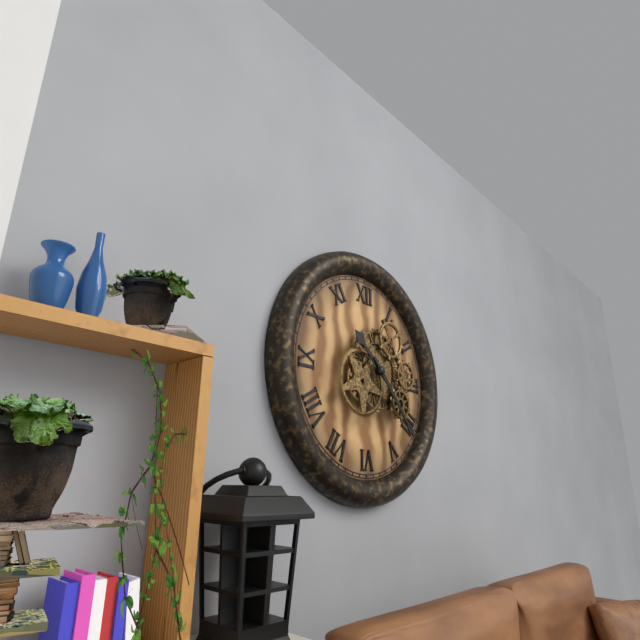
10:23
